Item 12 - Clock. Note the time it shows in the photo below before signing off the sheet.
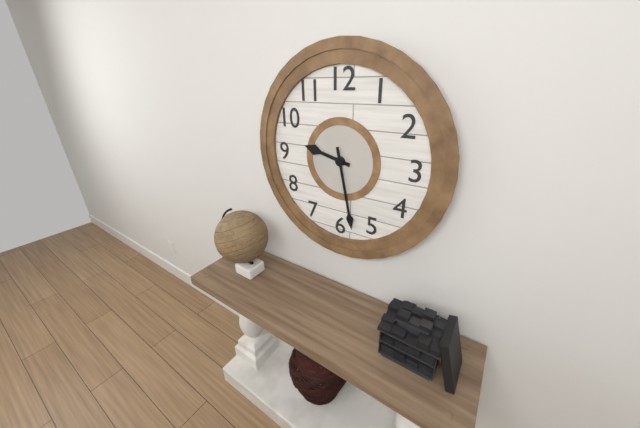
9:28
